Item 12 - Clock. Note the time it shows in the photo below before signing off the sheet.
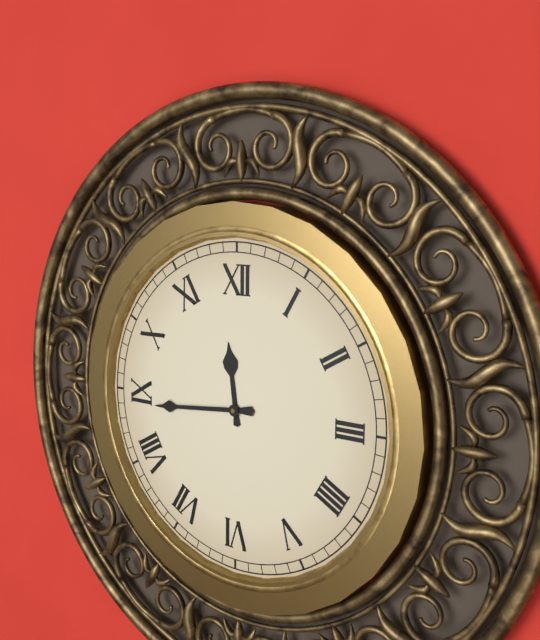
11:44
